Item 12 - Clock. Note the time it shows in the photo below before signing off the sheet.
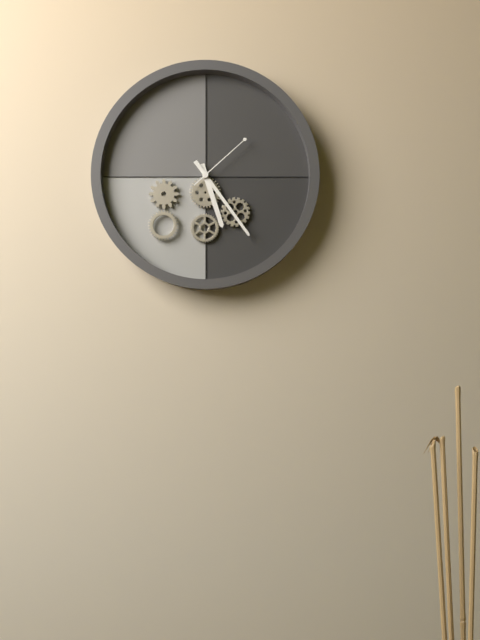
5:24:08
